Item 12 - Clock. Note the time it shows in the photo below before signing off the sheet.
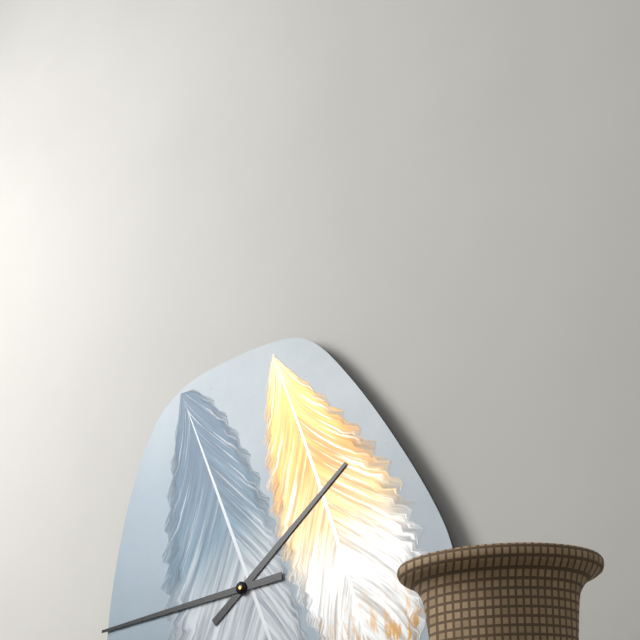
1:44
